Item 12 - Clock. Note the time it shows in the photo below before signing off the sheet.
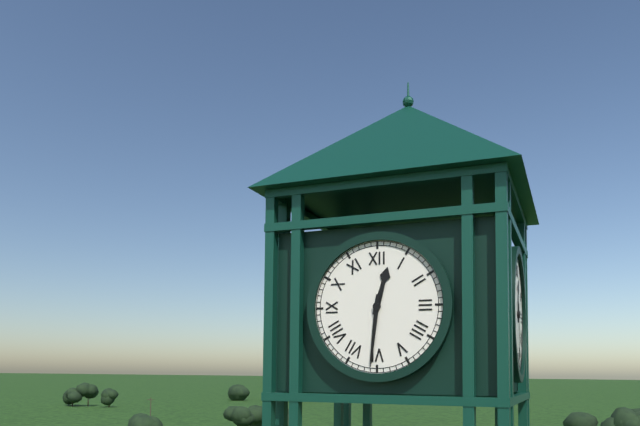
12:31
